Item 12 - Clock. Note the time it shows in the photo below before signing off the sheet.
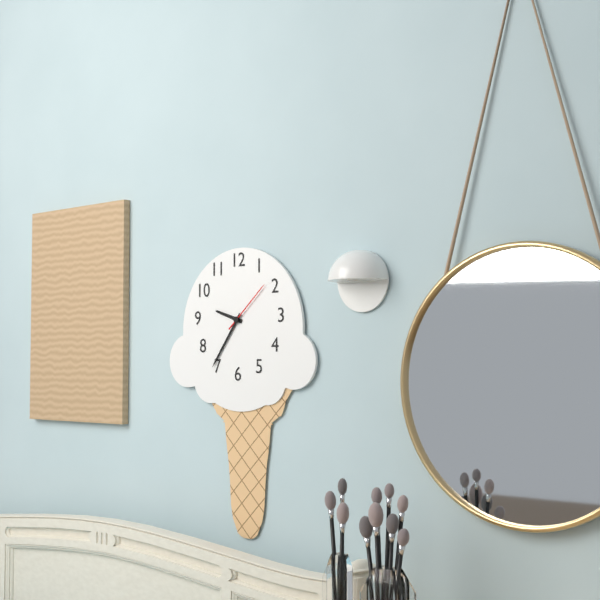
9:36:08
